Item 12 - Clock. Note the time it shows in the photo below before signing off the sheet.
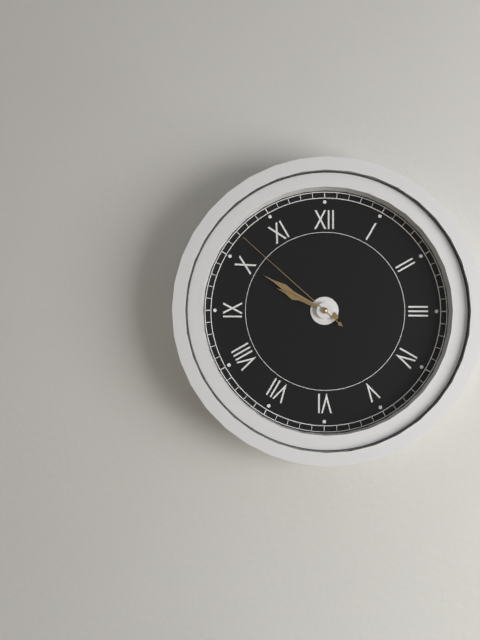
9:50:52
